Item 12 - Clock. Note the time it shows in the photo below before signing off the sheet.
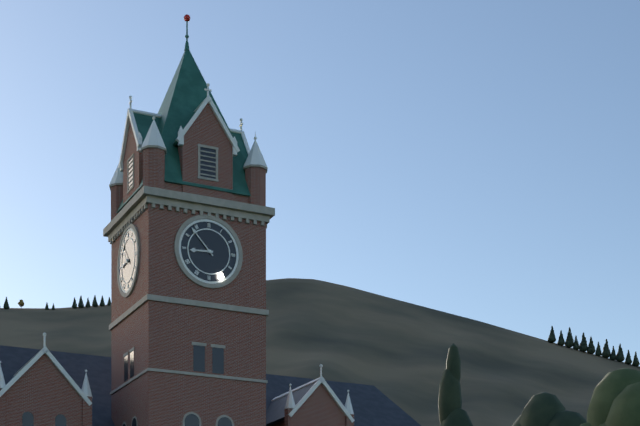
8:53
